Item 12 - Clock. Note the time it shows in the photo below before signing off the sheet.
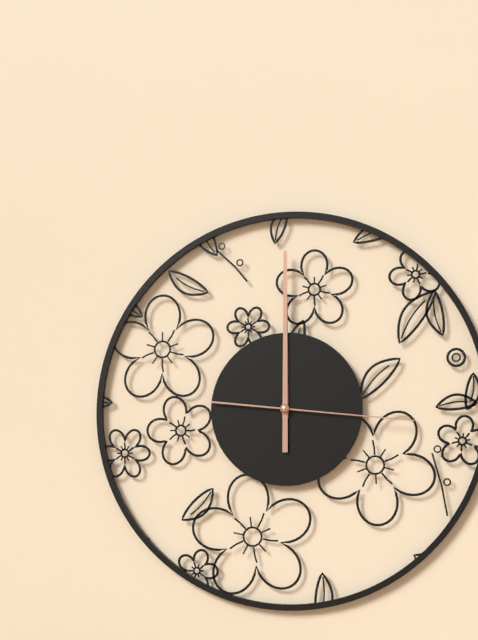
12:00:16
